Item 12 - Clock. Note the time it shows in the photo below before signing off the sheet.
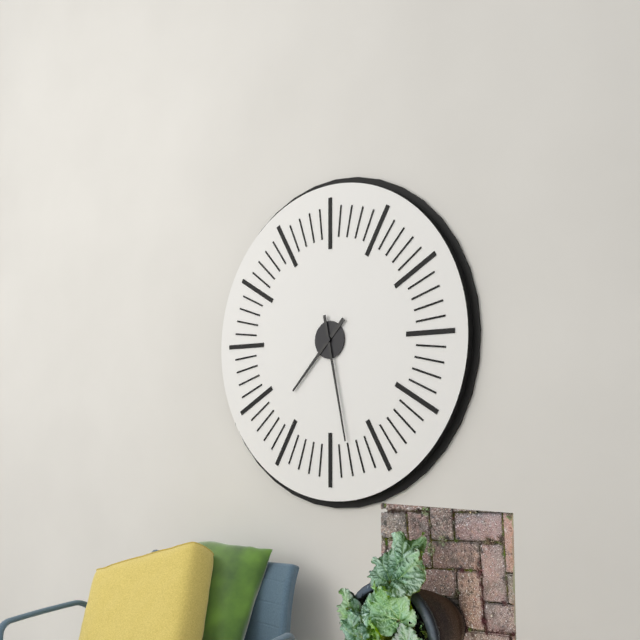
7:28
